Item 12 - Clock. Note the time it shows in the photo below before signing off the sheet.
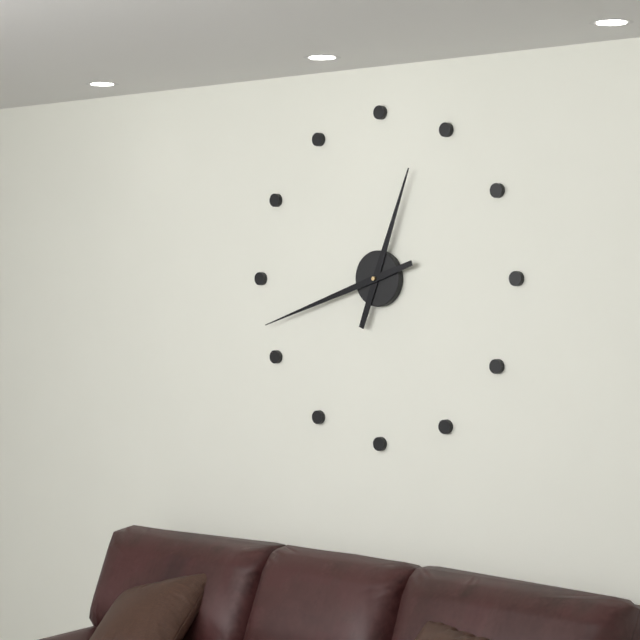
12:42
